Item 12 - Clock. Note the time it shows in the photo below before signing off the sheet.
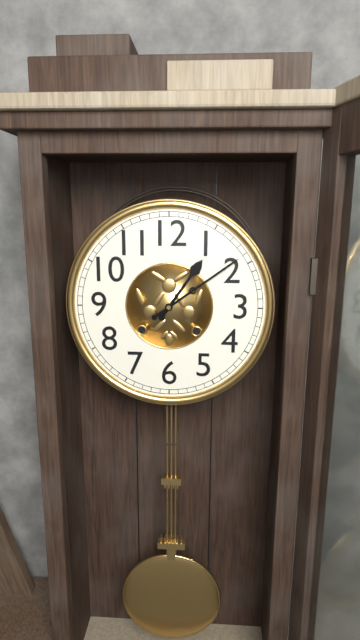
1:09
